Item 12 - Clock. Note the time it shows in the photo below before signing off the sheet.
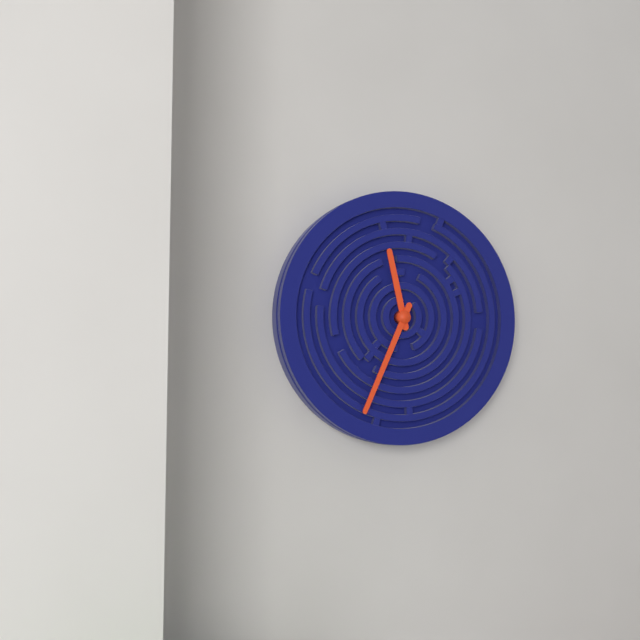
11:34
